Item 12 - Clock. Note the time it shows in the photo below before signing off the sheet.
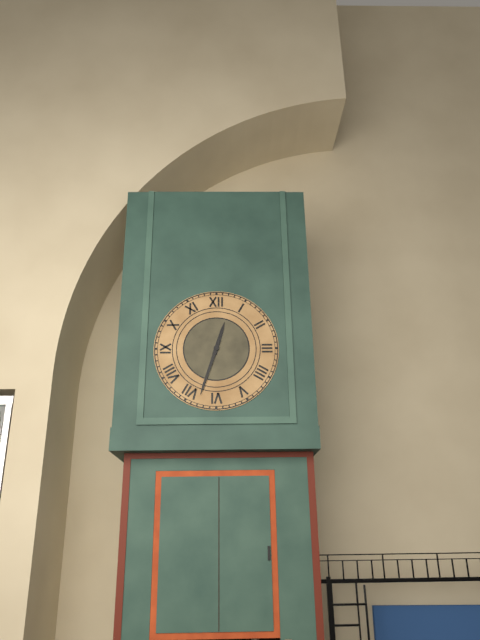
12:33
